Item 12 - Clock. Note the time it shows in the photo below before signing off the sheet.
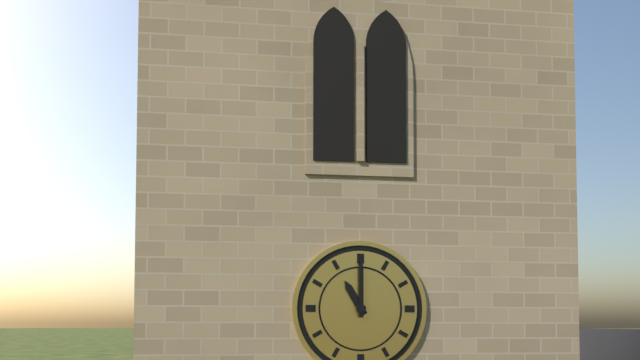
11:00
